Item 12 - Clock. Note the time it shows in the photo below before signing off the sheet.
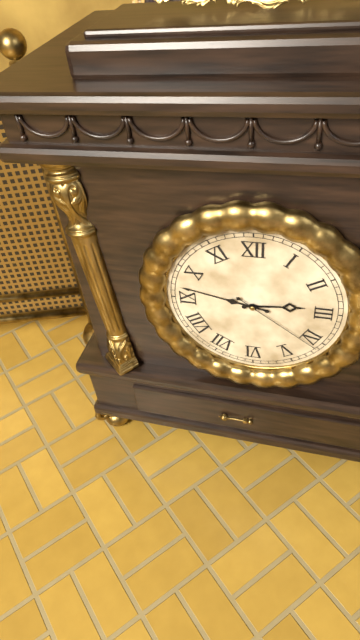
2:47:21
